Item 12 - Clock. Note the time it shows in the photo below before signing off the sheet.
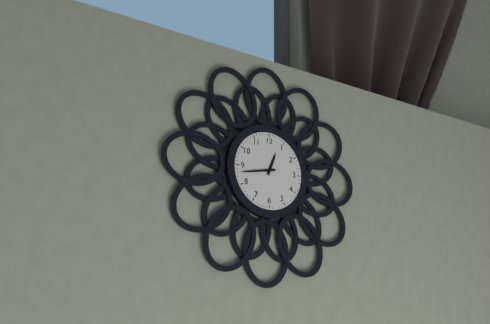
12:43
